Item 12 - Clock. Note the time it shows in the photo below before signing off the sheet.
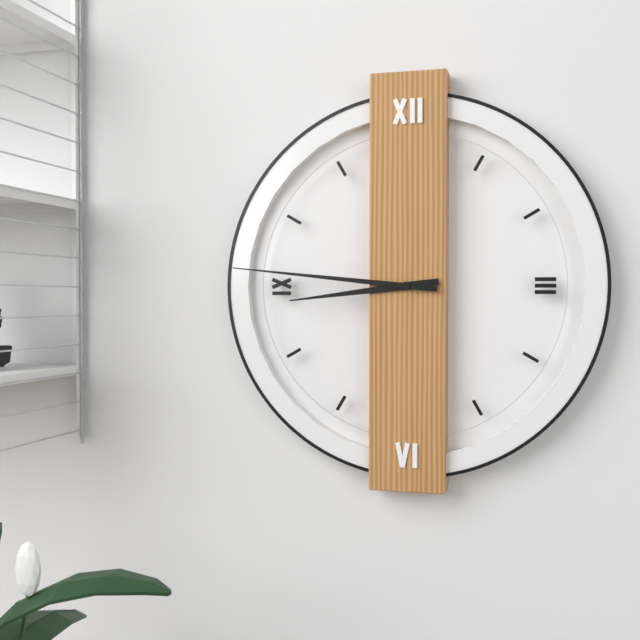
8:46
